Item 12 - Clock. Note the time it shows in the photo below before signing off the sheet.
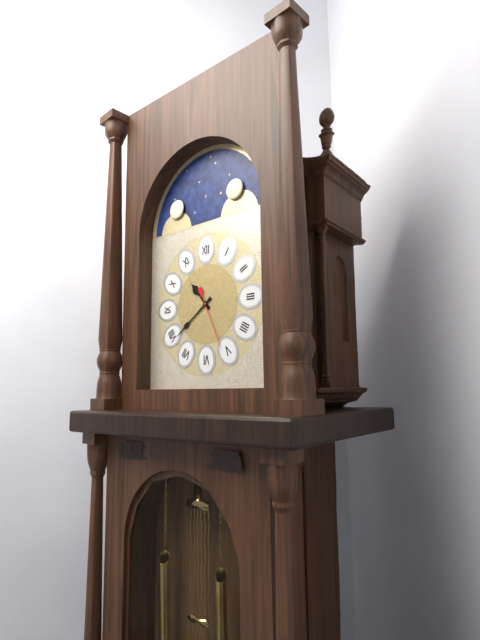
10:39:26
